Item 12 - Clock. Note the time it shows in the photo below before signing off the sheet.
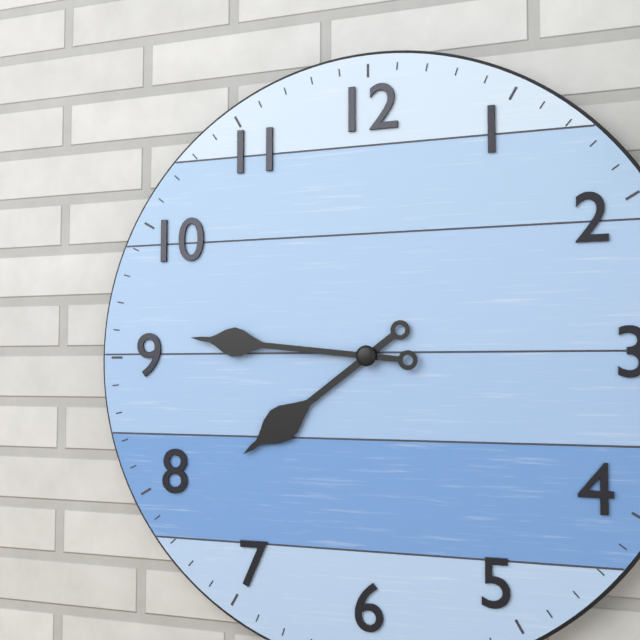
7:46
